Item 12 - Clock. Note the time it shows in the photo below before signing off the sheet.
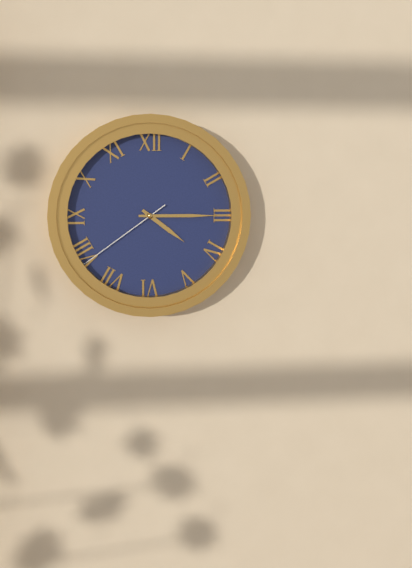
4:15:39
